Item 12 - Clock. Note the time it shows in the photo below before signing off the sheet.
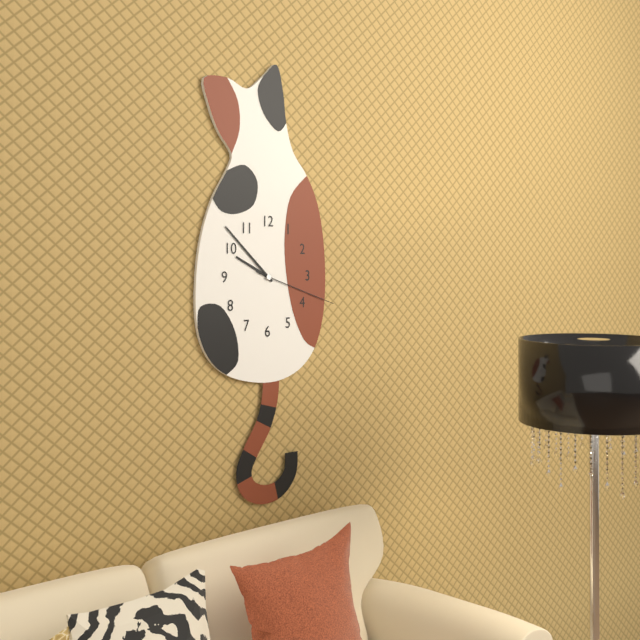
9:52:18
